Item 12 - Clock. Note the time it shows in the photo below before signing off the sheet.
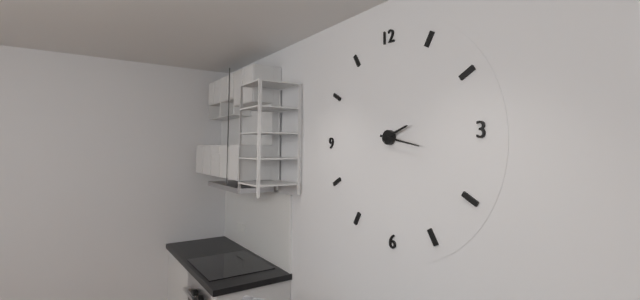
2:17
